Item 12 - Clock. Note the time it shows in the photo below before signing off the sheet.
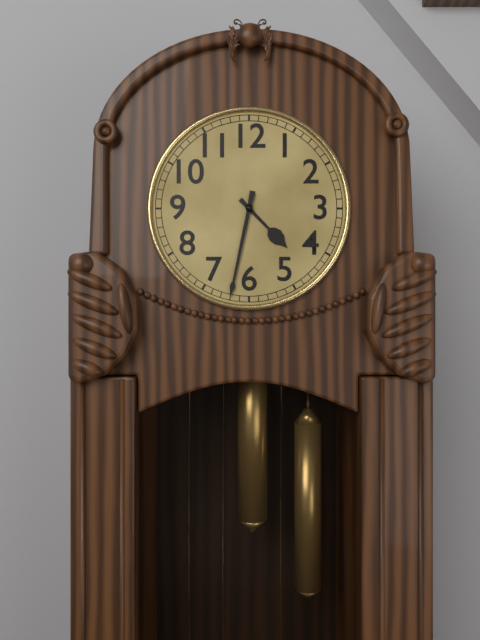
4:32
